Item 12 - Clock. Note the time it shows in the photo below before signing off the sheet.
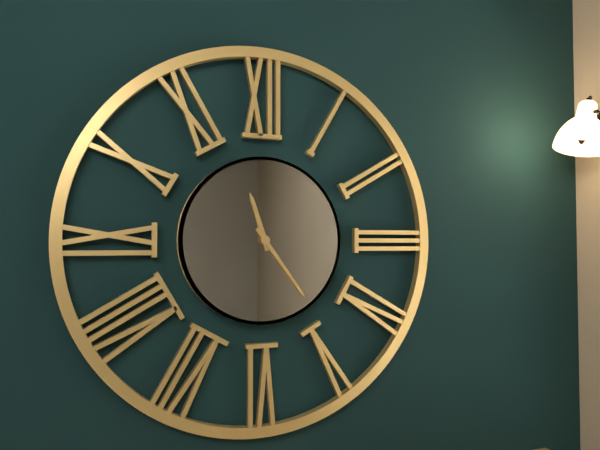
11:24
